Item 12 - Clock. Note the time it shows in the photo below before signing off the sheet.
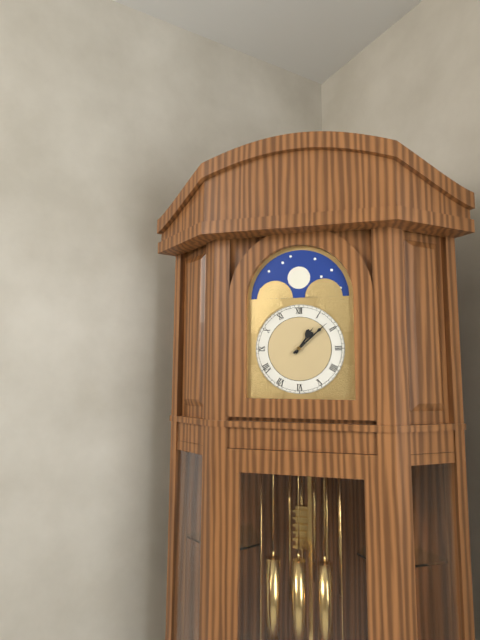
1:08
